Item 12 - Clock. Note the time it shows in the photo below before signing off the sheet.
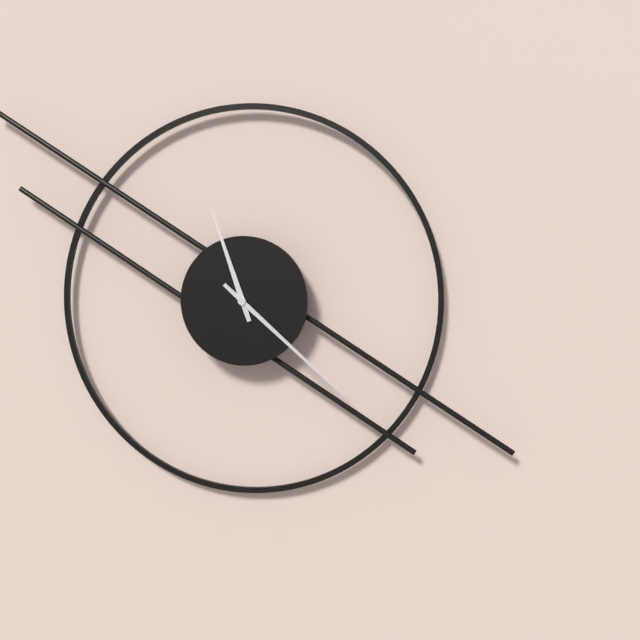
11:22
